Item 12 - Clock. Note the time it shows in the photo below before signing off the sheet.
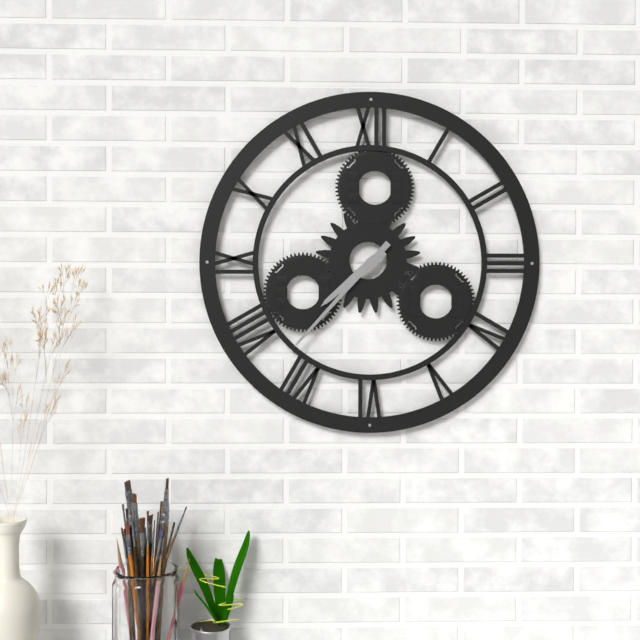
7:37
